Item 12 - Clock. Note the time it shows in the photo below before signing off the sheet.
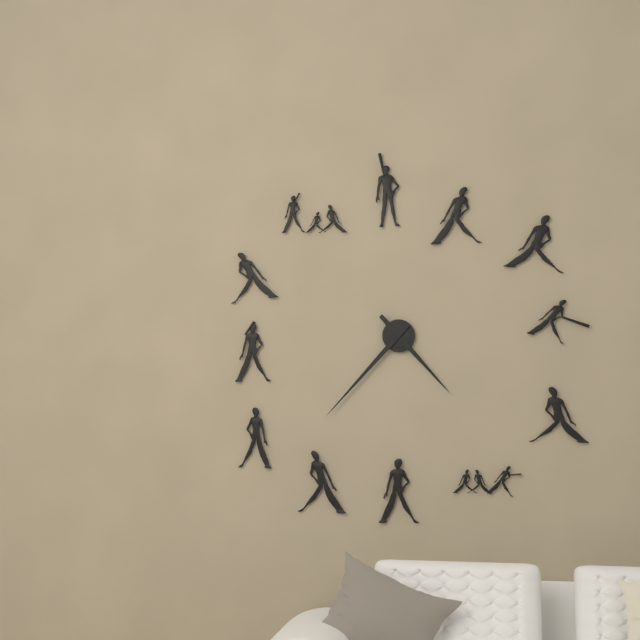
4:37
